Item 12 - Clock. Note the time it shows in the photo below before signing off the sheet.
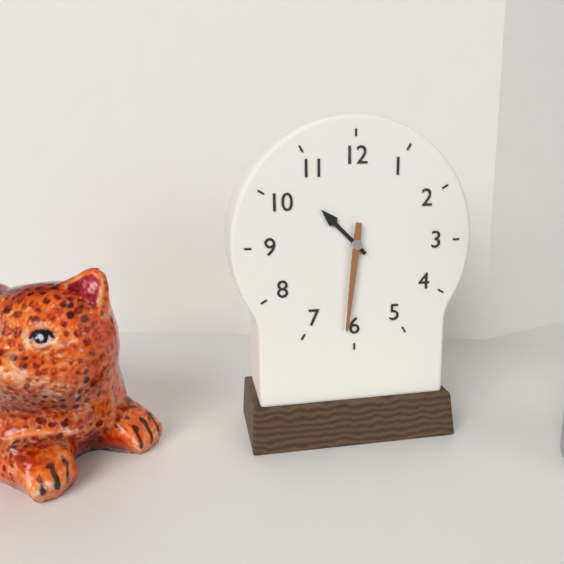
10:31
